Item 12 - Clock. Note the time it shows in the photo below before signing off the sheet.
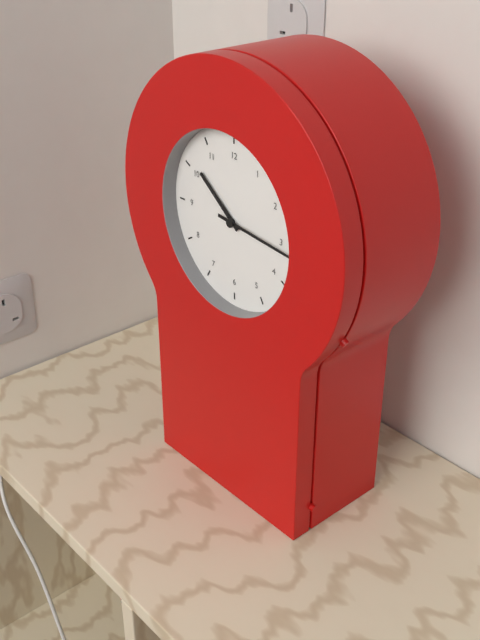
10:16
